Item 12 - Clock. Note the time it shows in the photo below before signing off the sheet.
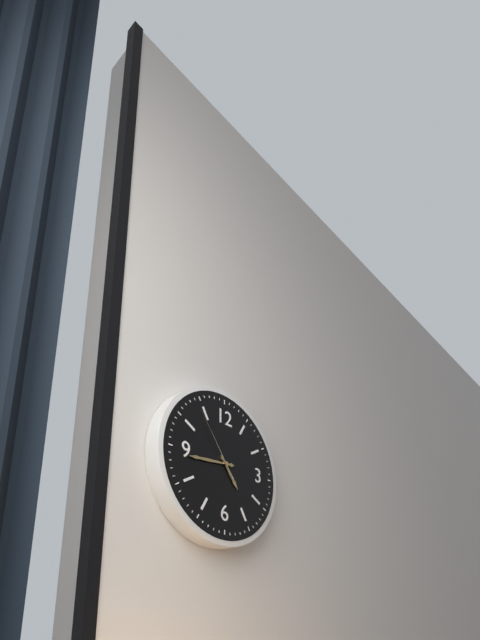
4:44:54
